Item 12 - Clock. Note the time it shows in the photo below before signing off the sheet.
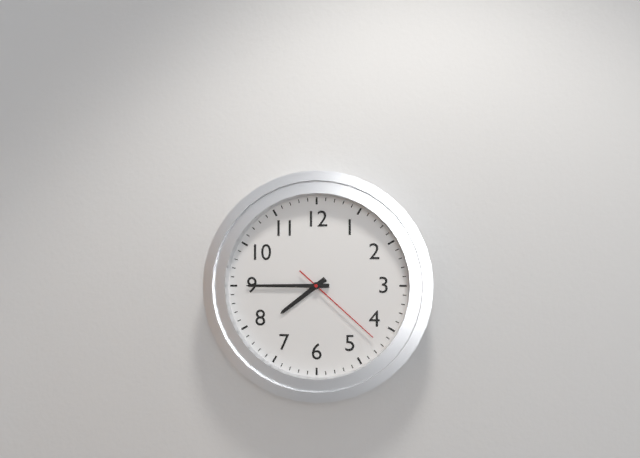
7:45:22
